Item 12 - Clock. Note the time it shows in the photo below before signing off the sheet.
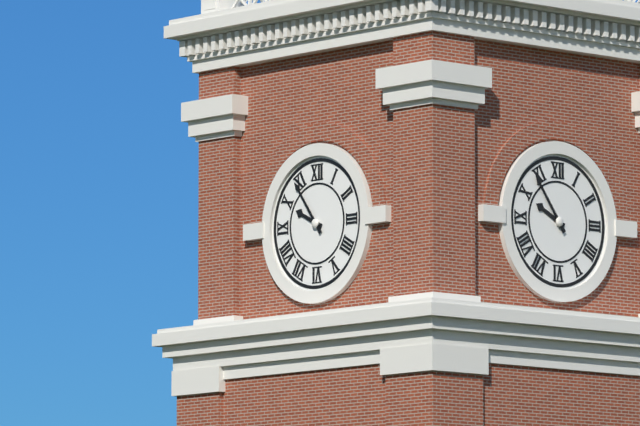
9:54
